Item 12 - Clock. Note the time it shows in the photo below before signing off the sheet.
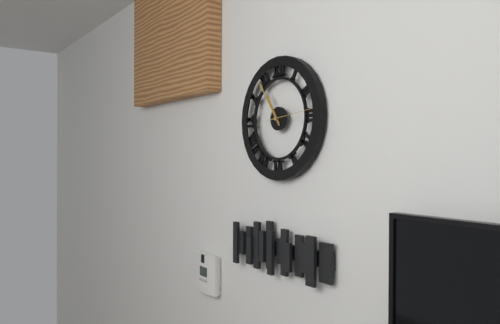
10:54
